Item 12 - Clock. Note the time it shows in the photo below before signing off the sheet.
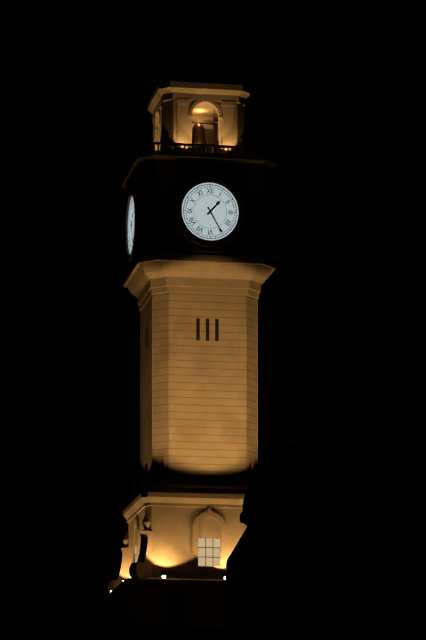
1:25
